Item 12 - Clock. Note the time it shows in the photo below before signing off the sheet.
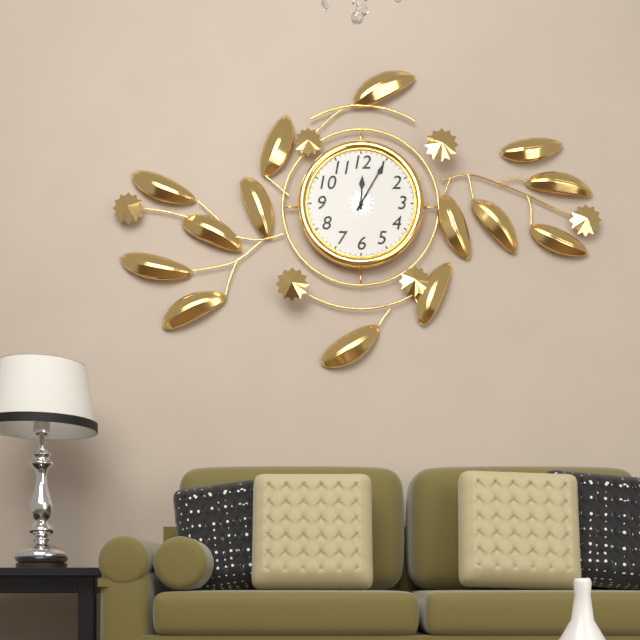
12:05
